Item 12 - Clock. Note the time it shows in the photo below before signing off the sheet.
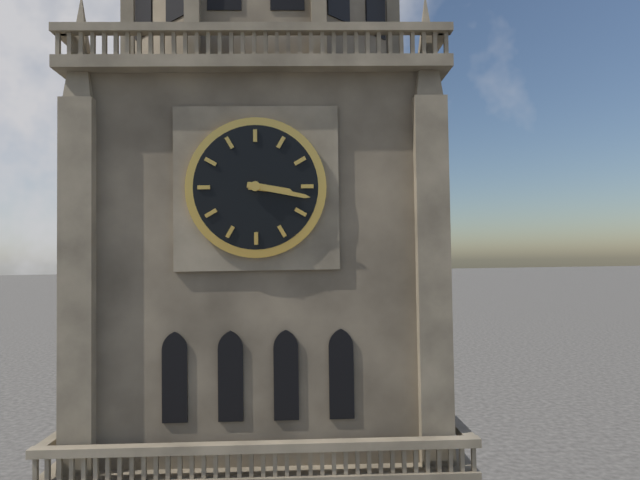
3:17
